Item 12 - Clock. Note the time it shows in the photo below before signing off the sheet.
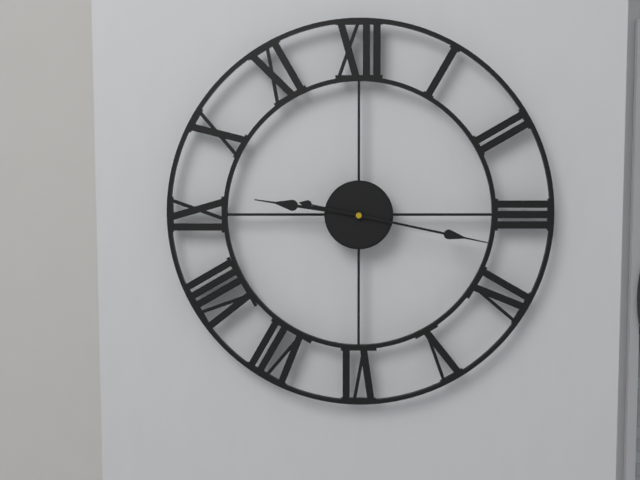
9:17
